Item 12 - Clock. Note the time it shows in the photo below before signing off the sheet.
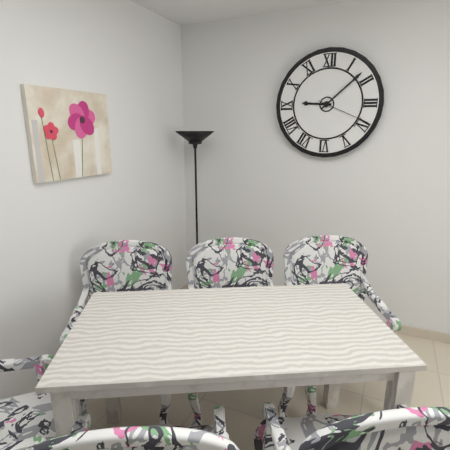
9:08:19
